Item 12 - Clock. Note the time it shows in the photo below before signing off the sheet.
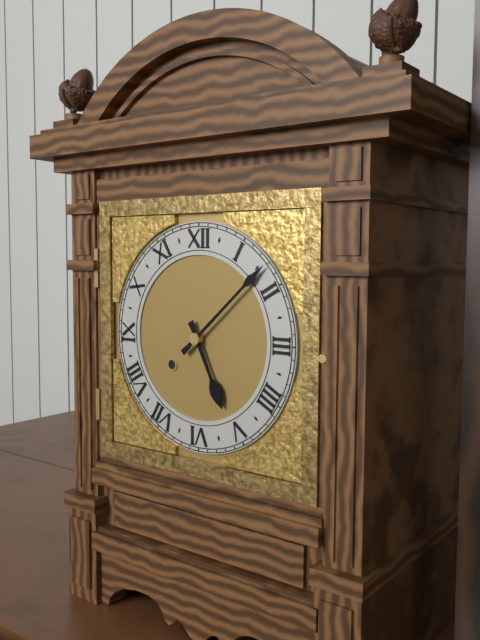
5:08
